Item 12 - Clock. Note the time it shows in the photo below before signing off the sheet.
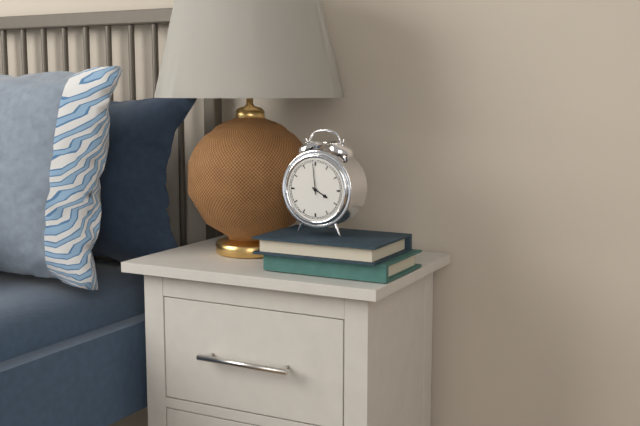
3:59
